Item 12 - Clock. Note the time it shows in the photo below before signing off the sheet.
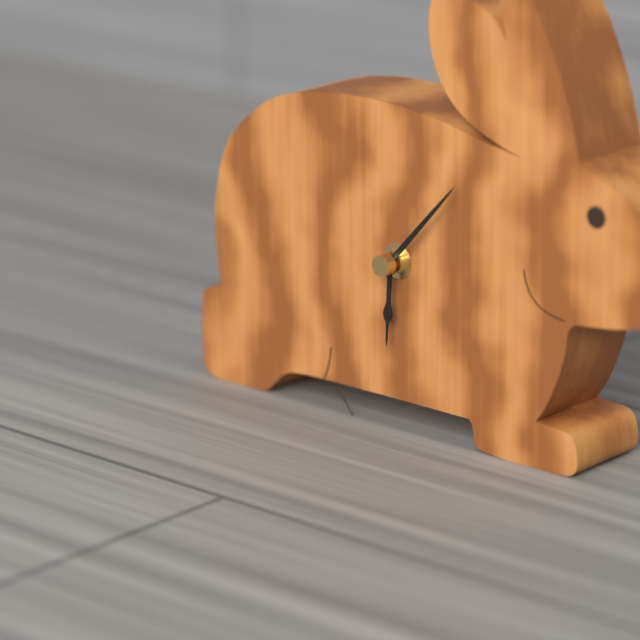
6:07
